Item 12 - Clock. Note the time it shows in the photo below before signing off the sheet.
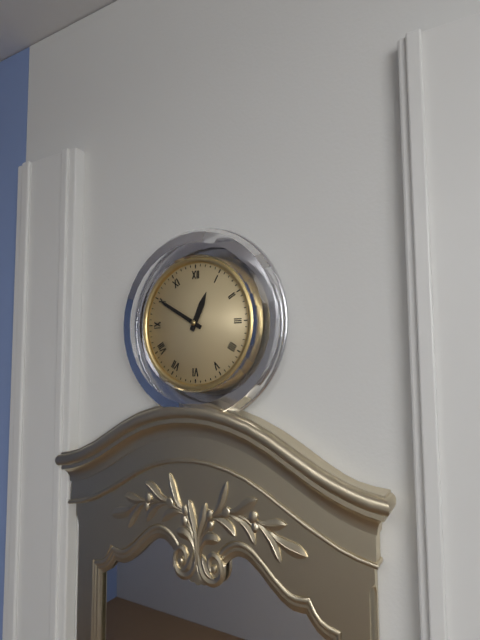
12:50
